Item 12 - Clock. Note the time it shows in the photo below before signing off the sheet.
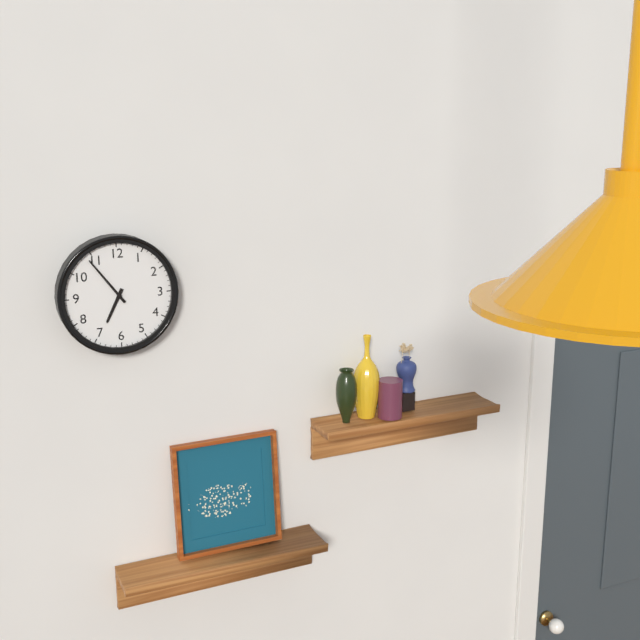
6:54
